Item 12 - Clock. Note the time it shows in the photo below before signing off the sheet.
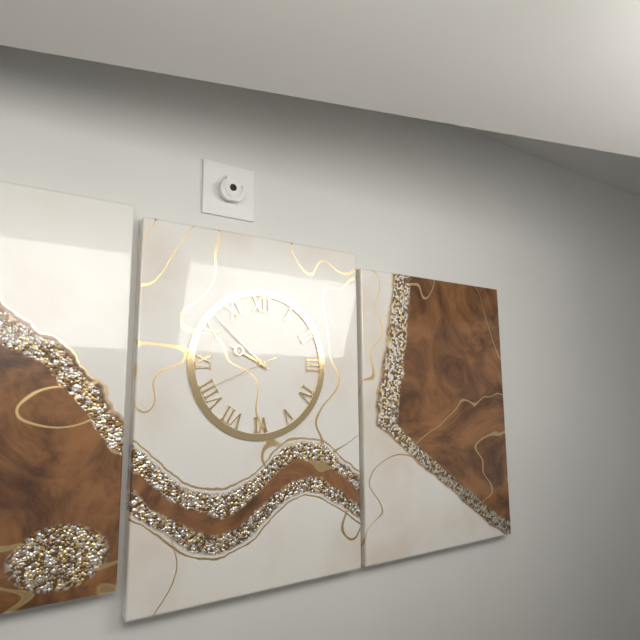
9:52:41
